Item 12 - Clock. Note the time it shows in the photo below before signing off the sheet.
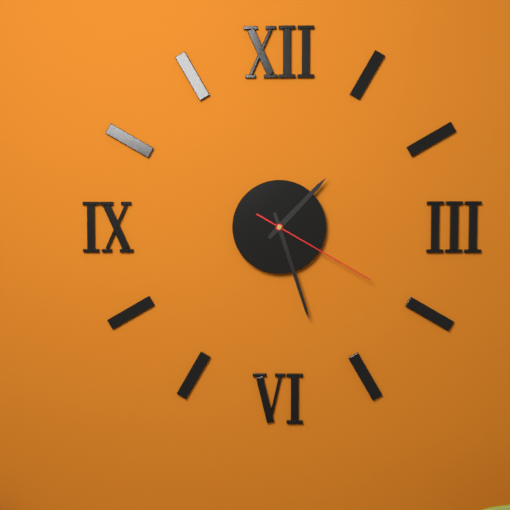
1:27:20
